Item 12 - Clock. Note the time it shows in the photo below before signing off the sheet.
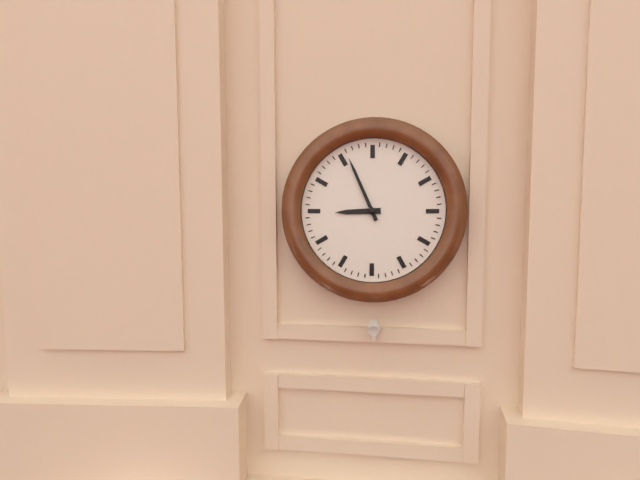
8:56
